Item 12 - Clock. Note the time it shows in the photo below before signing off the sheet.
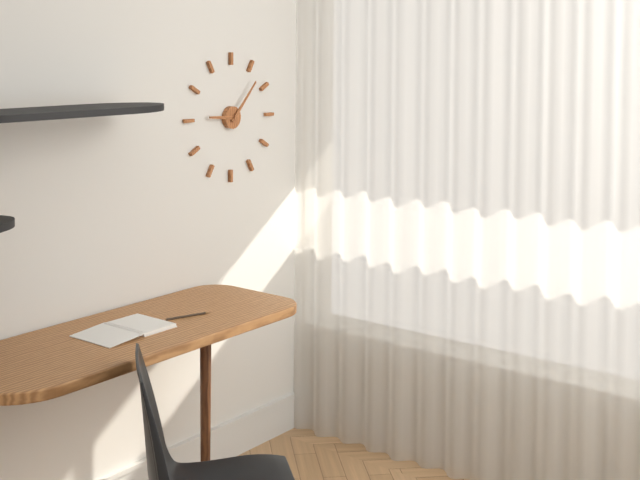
9:07
